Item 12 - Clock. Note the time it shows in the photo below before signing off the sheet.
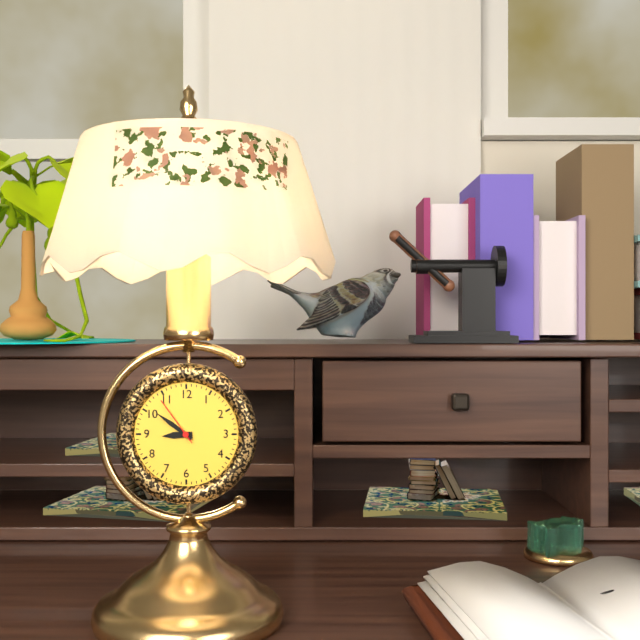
8:51:54
